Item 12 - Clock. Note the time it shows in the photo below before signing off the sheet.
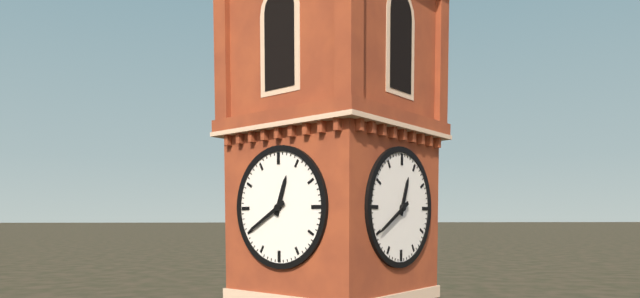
12:40
